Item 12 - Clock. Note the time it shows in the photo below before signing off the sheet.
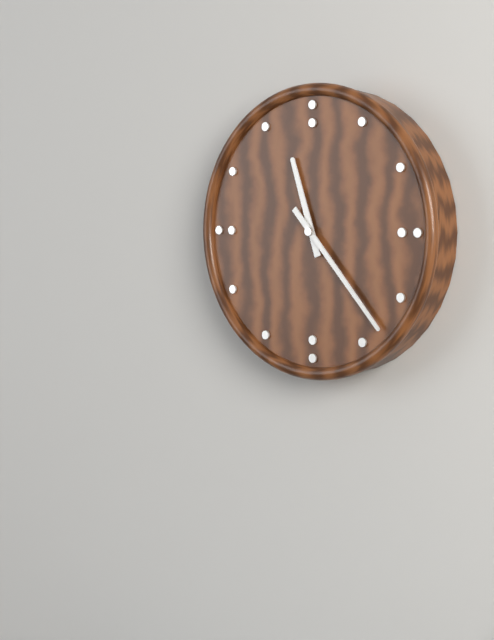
11:23
